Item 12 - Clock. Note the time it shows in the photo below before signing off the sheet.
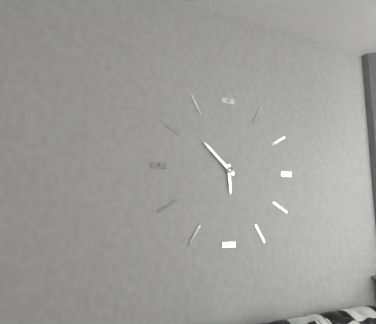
5:52
